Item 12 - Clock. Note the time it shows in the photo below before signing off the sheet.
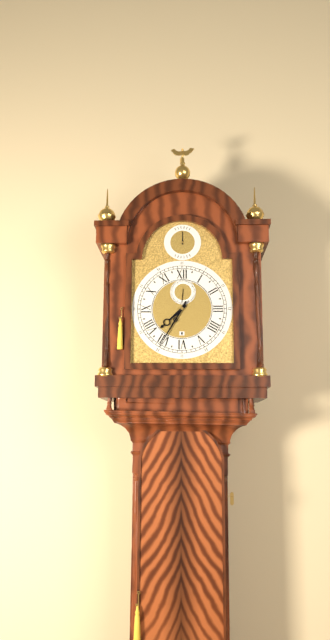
7:35
